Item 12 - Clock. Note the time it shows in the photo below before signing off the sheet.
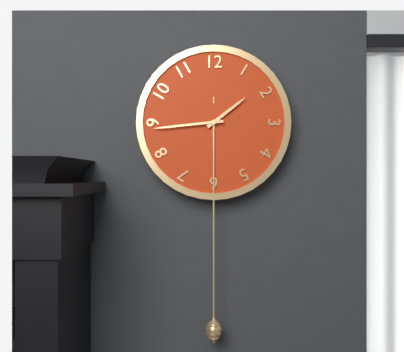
1:44
